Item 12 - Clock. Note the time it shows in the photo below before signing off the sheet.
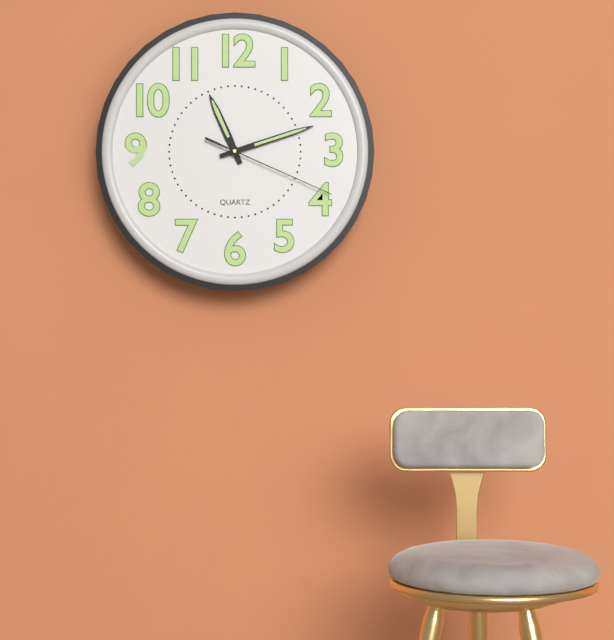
11:12:19
